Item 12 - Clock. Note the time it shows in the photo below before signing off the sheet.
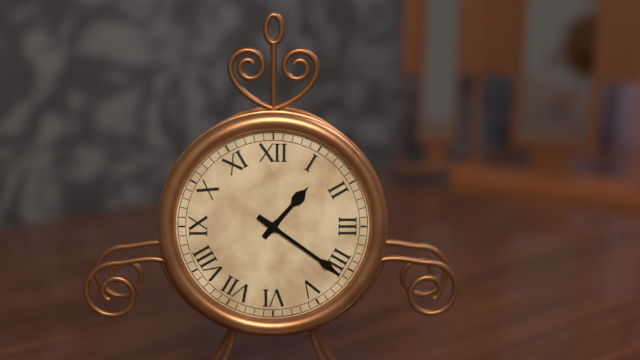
1:21
